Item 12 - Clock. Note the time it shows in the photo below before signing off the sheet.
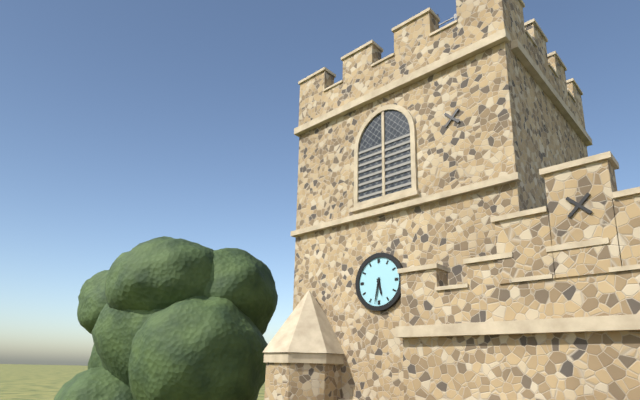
5:32
